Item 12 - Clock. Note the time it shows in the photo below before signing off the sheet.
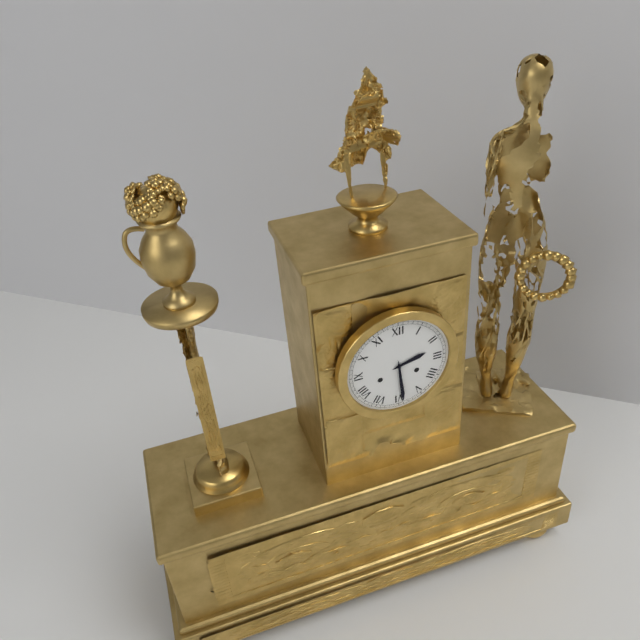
2:29
